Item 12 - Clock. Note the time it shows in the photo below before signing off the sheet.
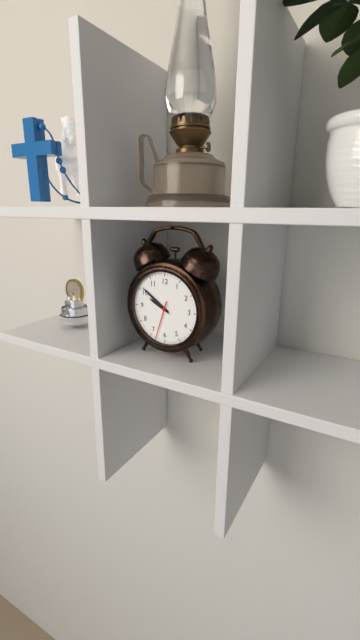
9:51
